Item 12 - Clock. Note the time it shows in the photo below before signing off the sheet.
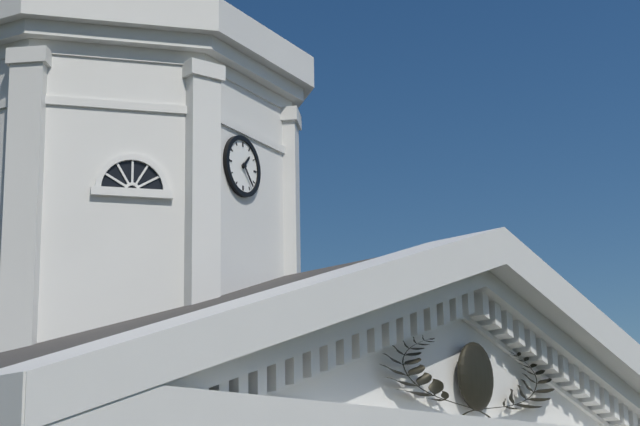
1:23
